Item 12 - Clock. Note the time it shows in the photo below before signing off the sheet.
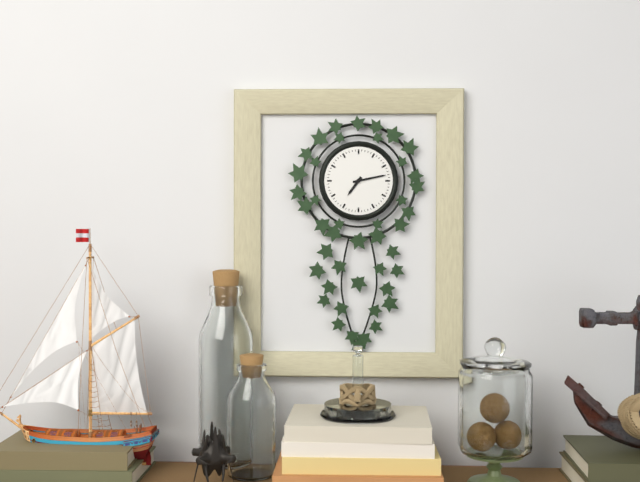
7:13
